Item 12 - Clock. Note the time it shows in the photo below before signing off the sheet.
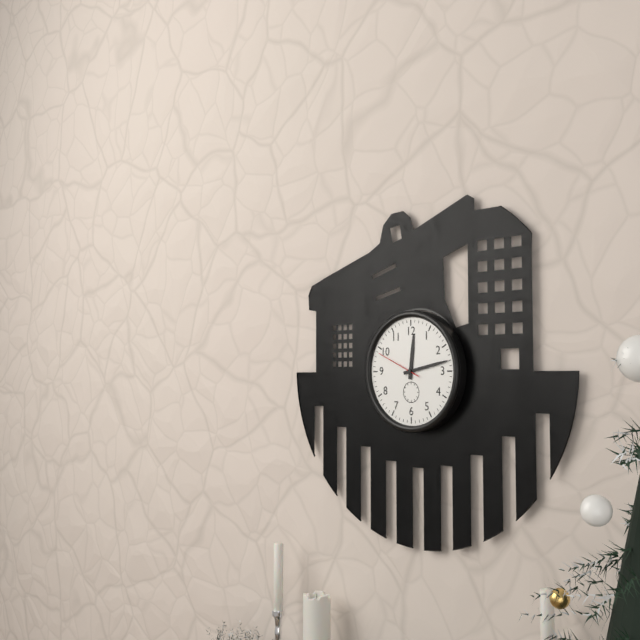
12:13
